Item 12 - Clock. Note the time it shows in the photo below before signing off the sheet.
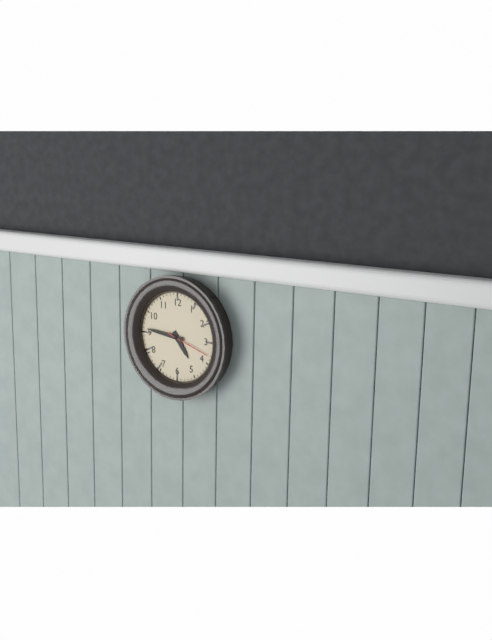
4:46
